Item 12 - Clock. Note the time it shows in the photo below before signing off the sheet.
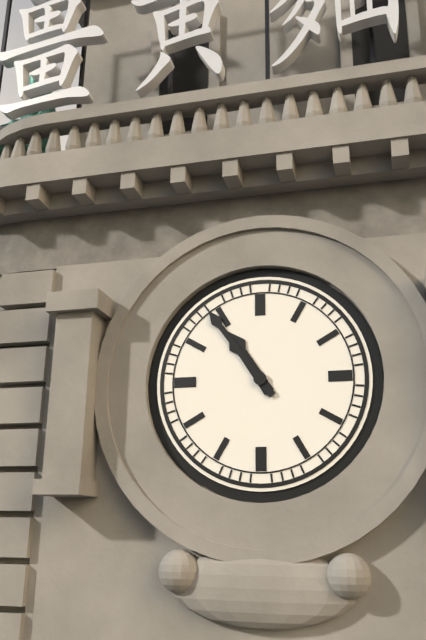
10:54
